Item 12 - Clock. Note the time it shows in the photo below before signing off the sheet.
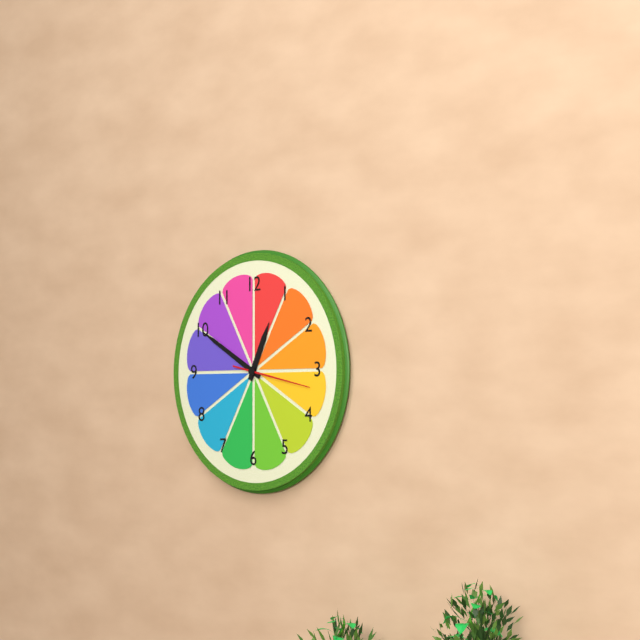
12:50:17
